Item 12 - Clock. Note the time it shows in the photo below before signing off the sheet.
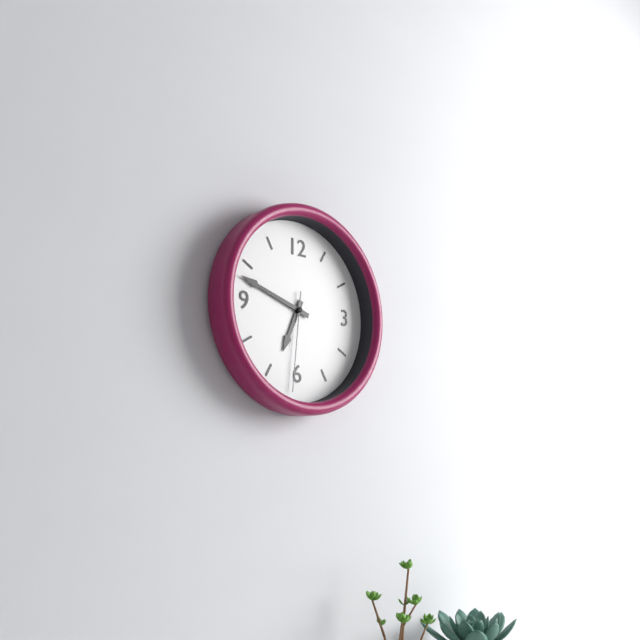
6:48:31
